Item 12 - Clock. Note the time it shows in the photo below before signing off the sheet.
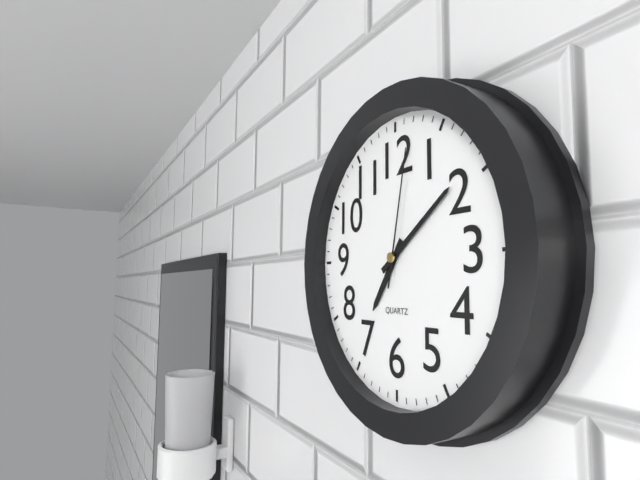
7:09:02
